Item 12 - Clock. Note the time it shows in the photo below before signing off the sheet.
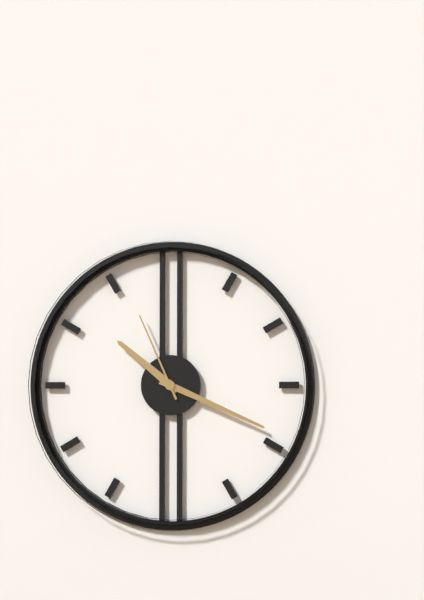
10:19:56
